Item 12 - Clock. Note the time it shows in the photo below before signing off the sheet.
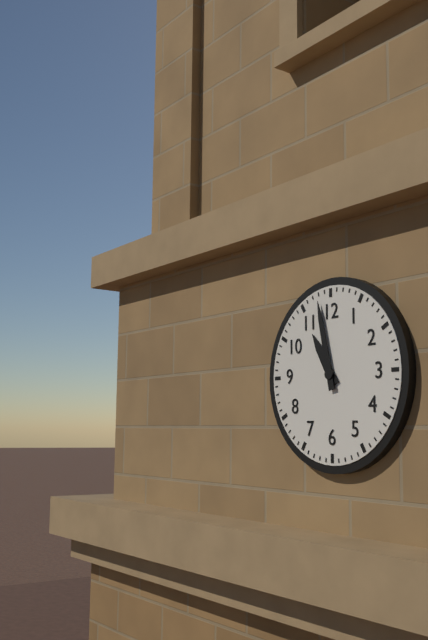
10:58
